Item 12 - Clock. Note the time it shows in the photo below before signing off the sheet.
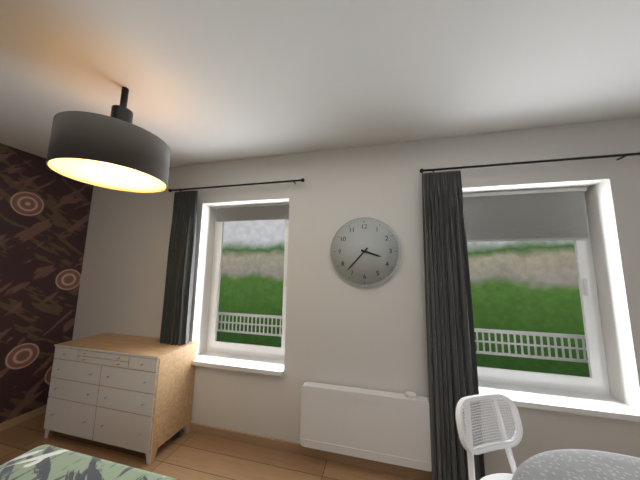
3:37
